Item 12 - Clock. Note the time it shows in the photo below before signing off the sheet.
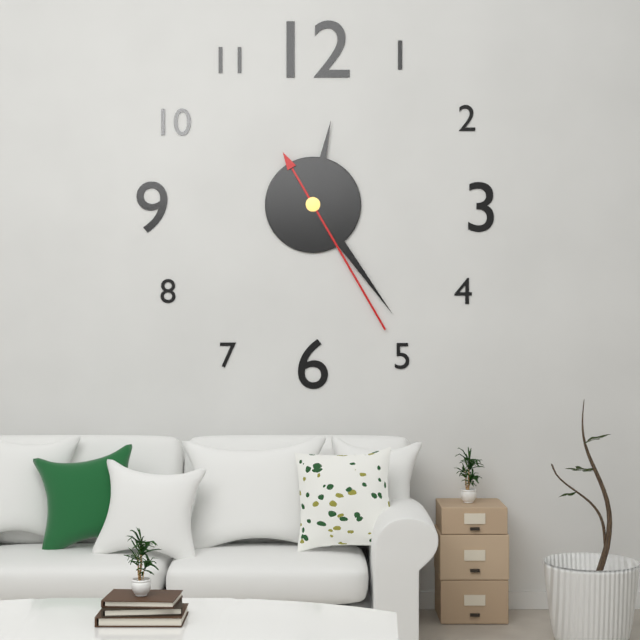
12:24:25
